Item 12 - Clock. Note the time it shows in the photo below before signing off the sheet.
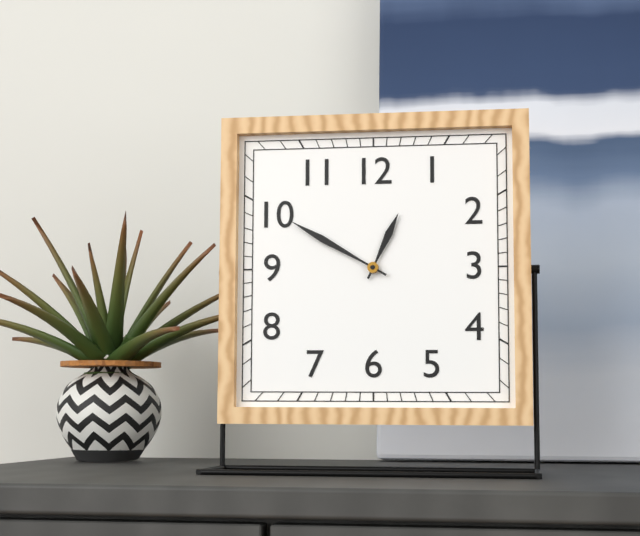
12:50
